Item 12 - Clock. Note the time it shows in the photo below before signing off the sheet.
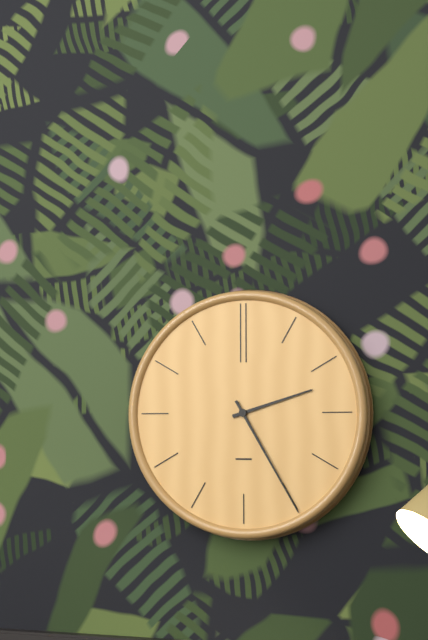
2:25
